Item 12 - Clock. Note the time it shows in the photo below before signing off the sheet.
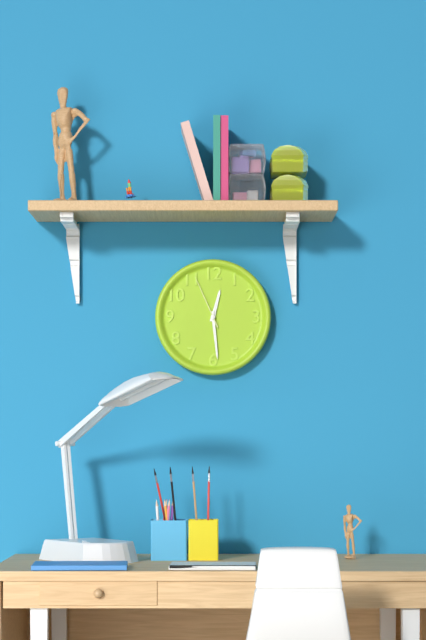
12:29:56
